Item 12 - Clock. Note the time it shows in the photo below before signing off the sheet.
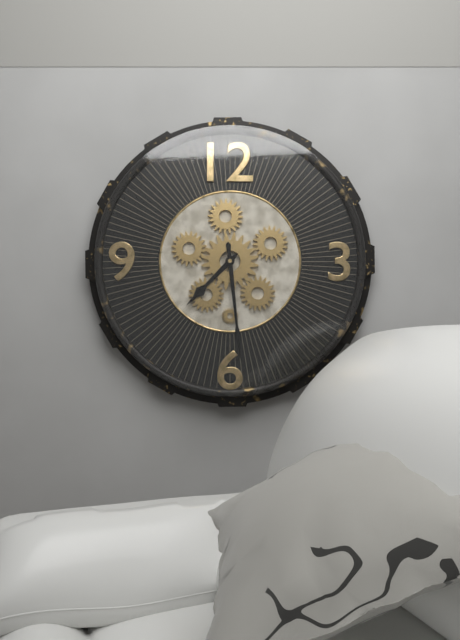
7:29
